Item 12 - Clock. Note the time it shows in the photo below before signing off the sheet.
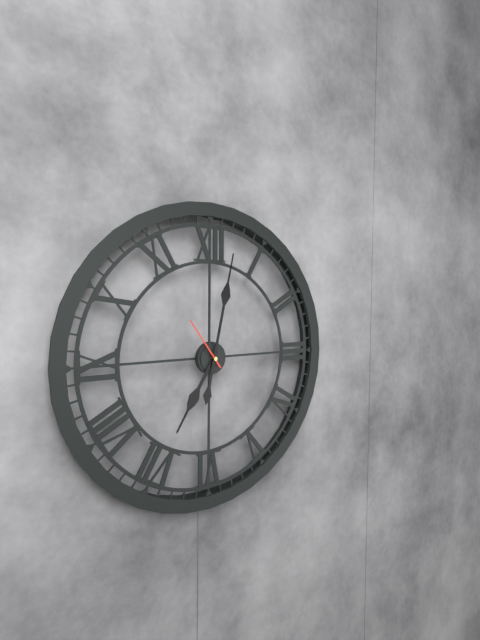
7:02:54
